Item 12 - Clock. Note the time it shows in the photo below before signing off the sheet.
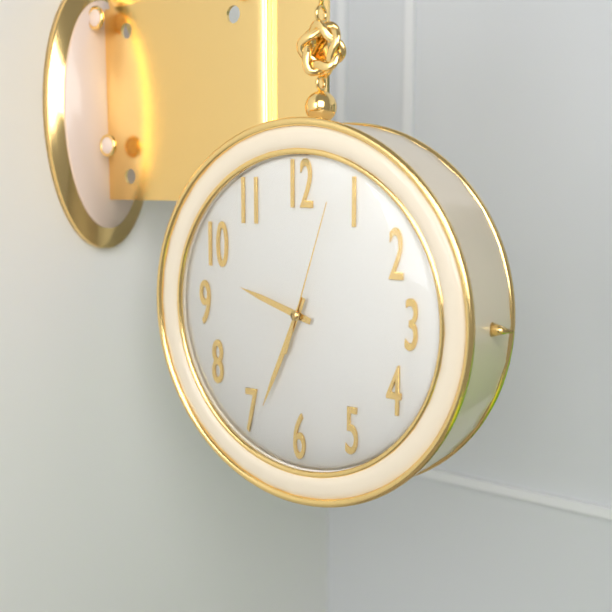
9:34:03
